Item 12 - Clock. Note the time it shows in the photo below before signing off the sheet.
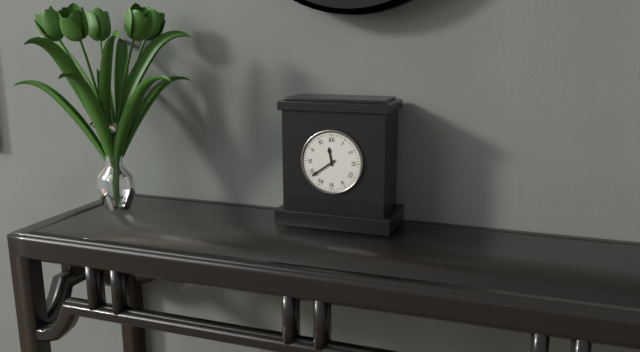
11:39
